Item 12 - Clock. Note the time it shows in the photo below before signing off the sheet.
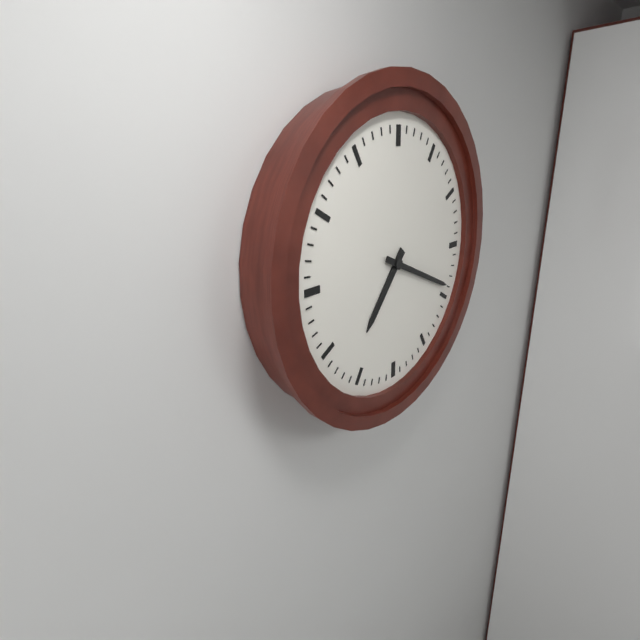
7:19
